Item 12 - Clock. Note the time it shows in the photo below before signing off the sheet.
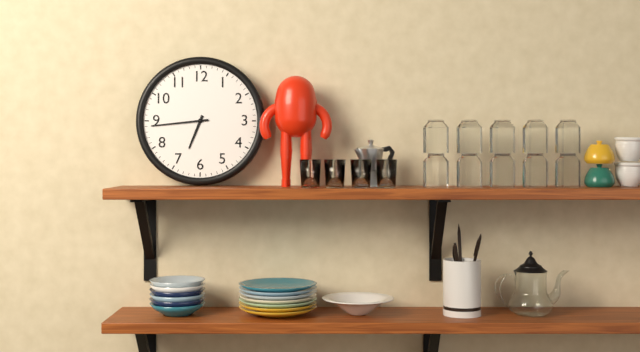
6:44
